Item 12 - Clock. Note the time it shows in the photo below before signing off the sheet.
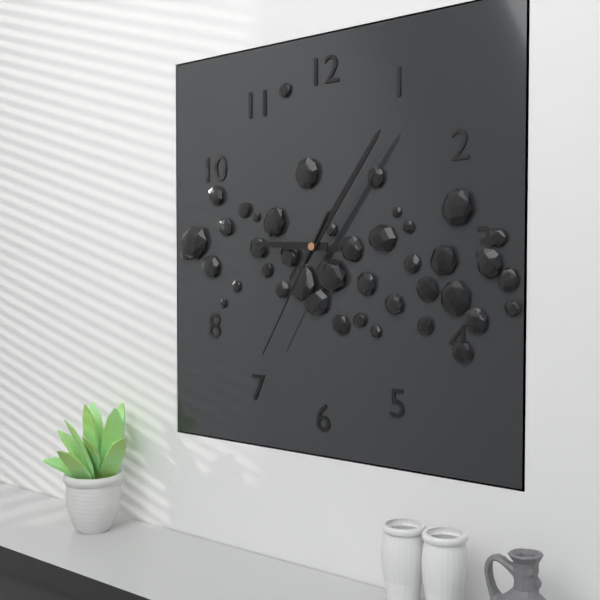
9:06:35
